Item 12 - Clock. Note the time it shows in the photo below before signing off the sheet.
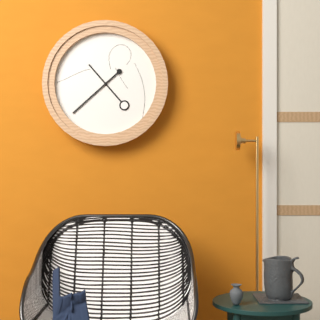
10:38
